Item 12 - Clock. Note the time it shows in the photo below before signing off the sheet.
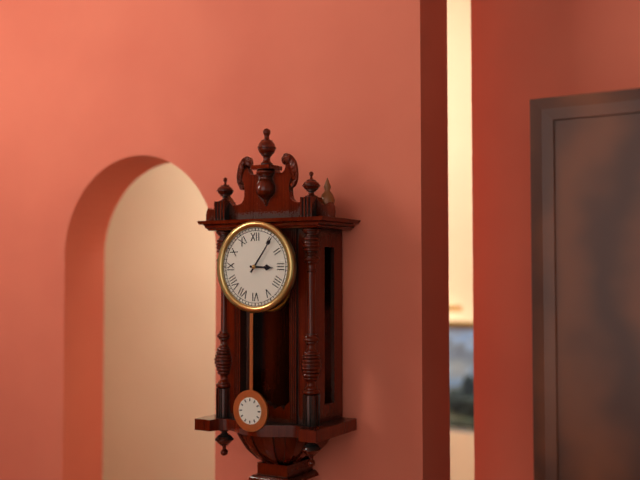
3:06
